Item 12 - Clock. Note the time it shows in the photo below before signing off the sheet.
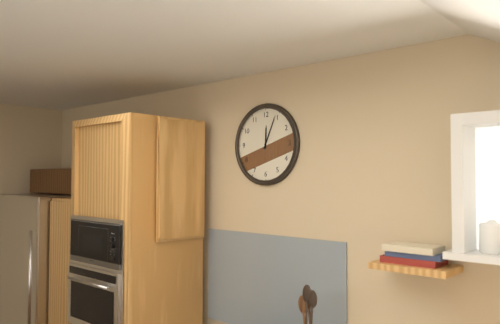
12:04
